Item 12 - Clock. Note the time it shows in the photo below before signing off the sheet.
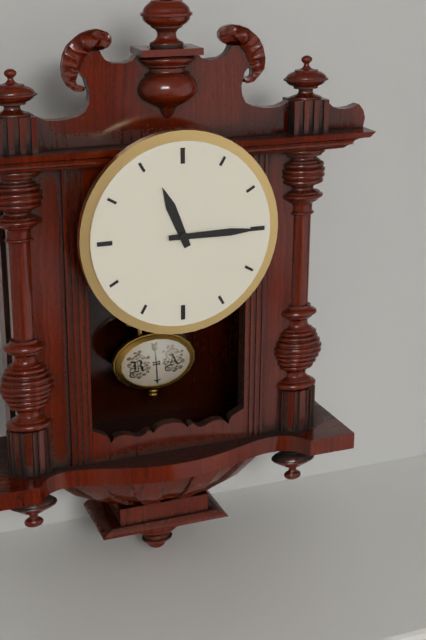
11:15
